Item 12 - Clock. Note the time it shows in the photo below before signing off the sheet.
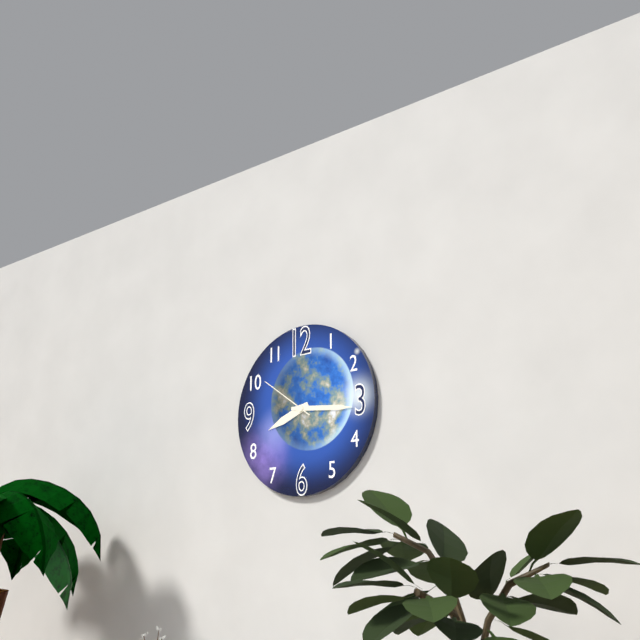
8:16:51
